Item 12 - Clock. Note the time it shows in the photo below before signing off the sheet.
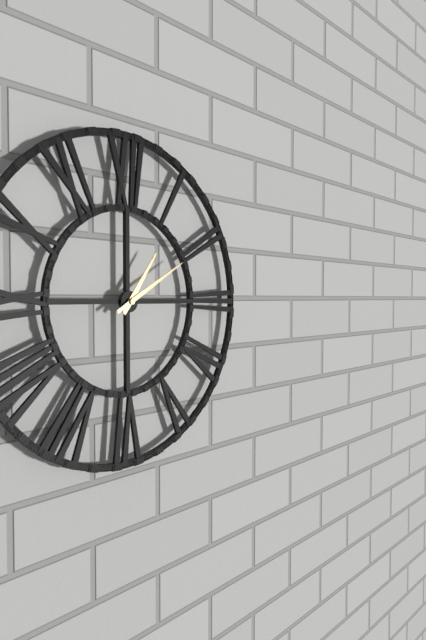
1:10
